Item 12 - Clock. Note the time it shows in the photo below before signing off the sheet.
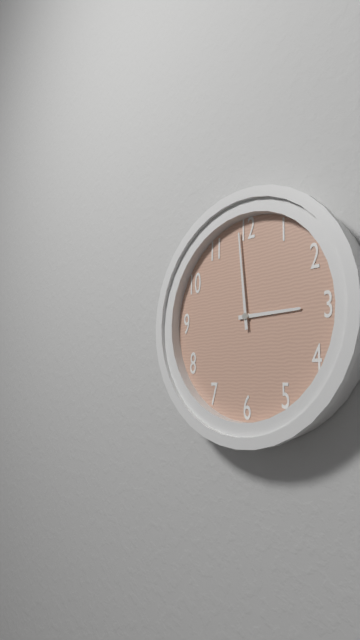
2:59
